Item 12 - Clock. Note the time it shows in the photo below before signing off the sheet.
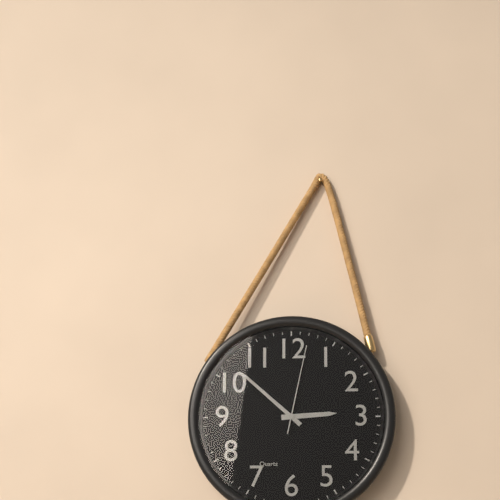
2:52:02
